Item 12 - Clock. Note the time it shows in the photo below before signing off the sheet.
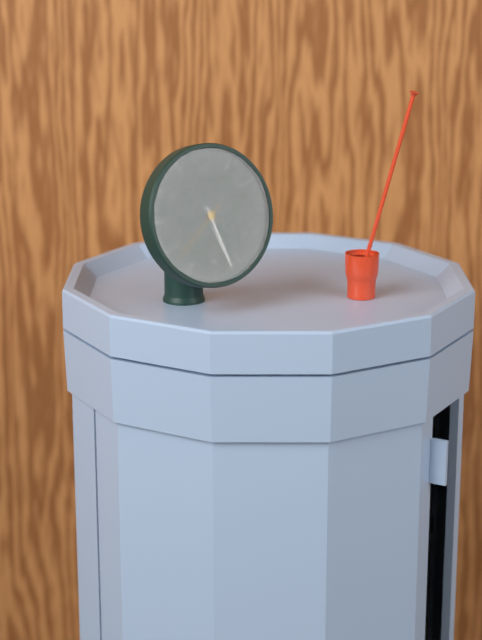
5:27:38
